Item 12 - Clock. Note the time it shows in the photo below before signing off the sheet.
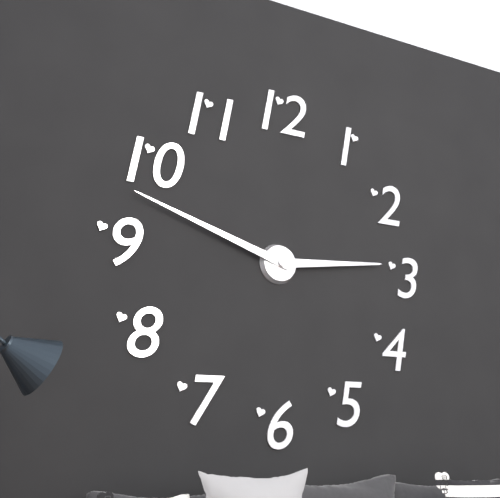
2:48
